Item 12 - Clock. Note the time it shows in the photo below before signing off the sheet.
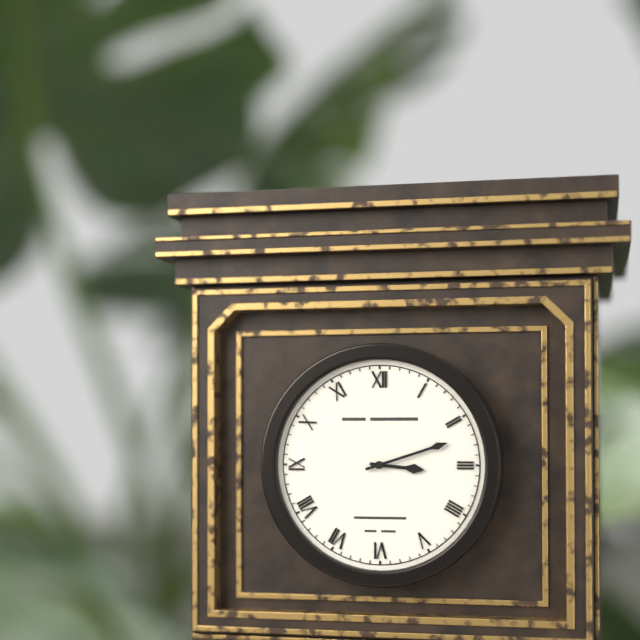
3:12
